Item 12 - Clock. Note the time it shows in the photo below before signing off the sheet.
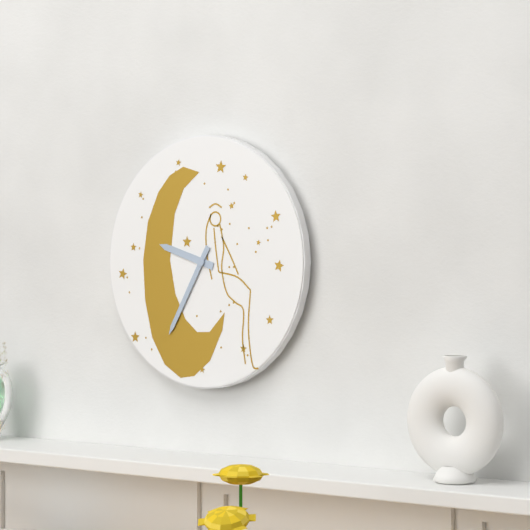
9:35
